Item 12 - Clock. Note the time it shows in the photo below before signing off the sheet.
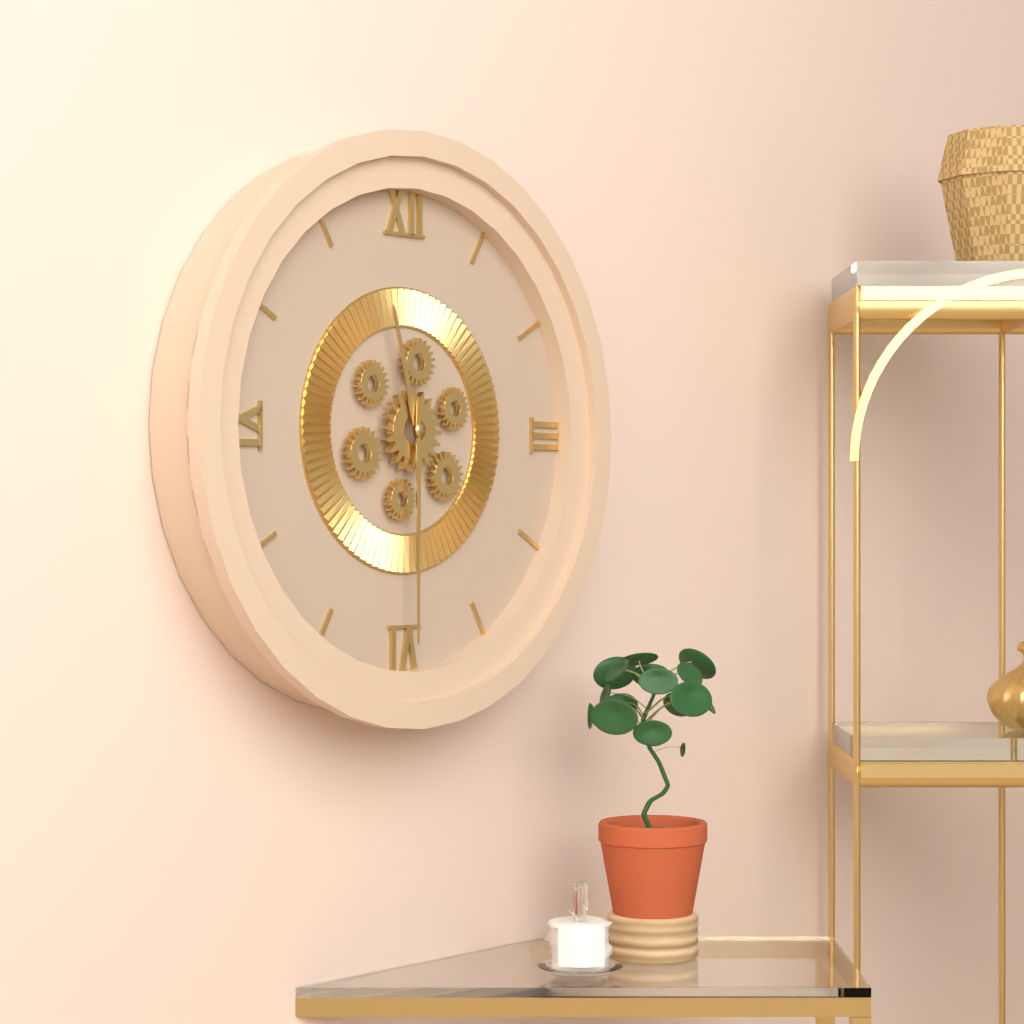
11:30
